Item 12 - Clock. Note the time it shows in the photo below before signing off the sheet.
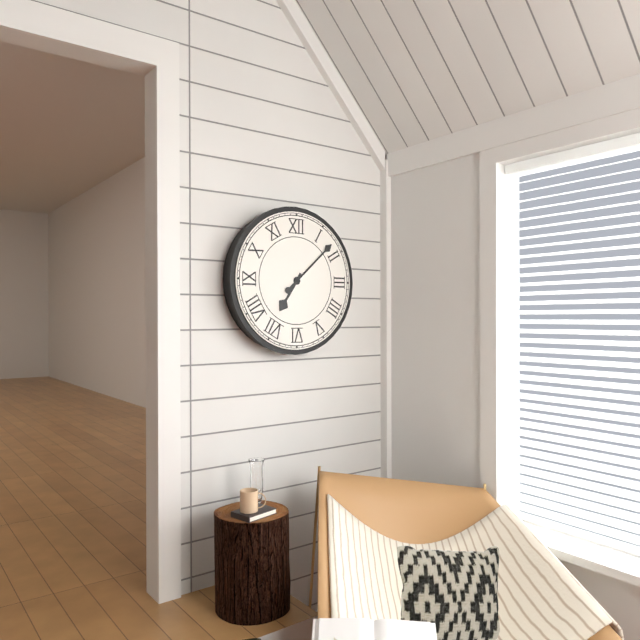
7:08
